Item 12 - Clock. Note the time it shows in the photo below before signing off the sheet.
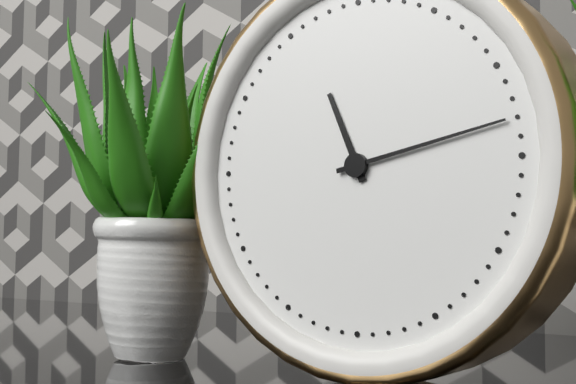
11:13
